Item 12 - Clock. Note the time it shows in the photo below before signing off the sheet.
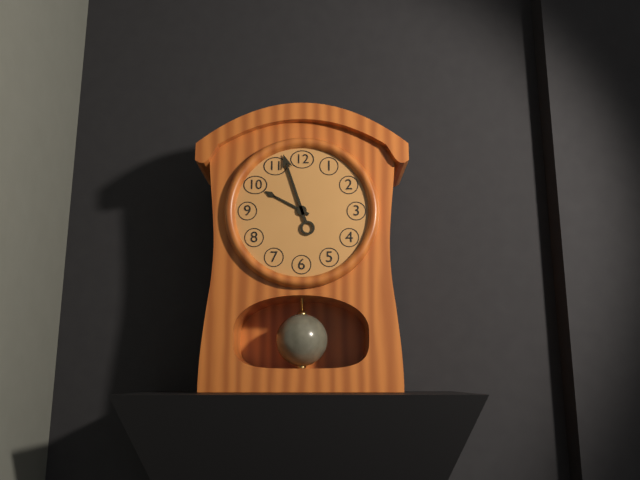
9:57
